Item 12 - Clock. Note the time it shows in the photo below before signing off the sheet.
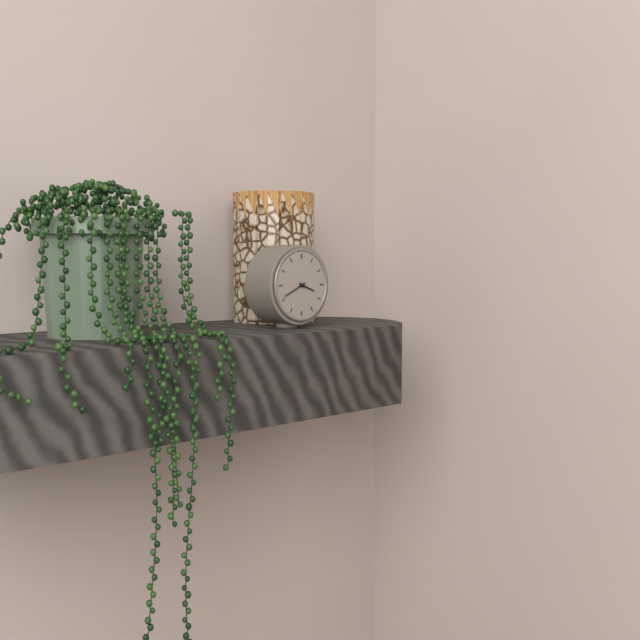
3:41
